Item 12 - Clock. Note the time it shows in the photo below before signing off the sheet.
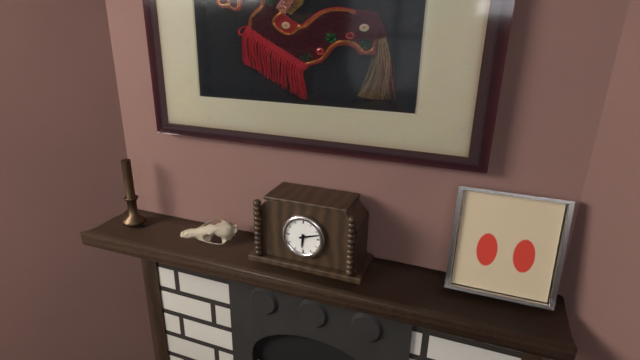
6:12
